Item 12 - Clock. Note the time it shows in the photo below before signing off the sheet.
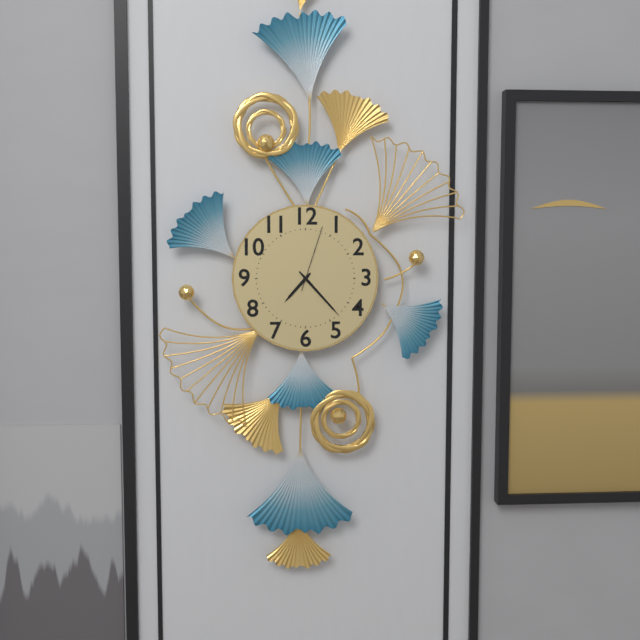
7:23:03
